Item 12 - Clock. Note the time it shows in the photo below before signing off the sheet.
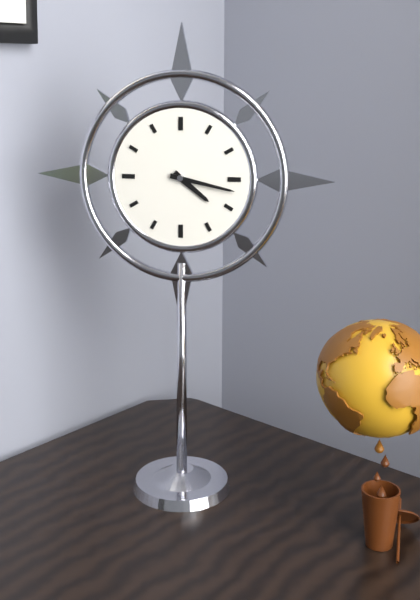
4:17
